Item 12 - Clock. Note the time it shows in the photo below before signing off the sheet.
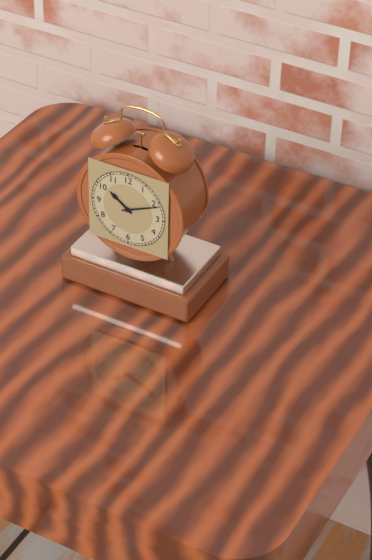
10:11
